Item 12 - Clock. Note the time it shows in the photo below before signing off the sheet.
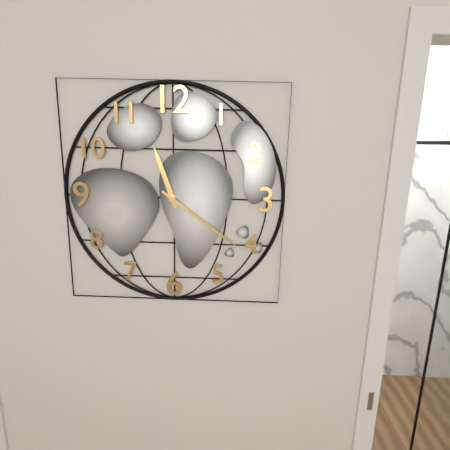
11:21
